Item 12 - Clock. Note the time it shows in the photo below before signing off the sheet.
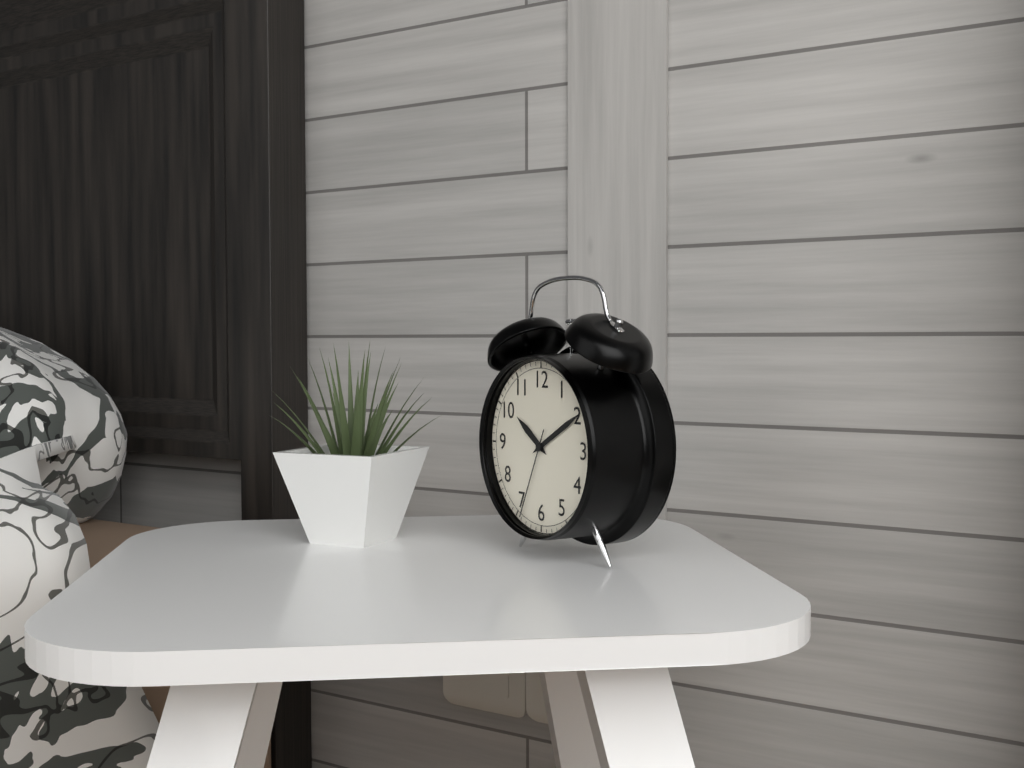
10:10:34
